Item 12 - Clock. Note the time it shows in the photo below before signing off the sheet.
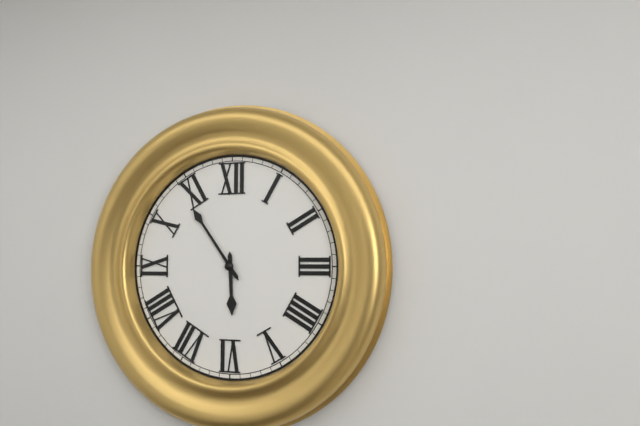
5:54
